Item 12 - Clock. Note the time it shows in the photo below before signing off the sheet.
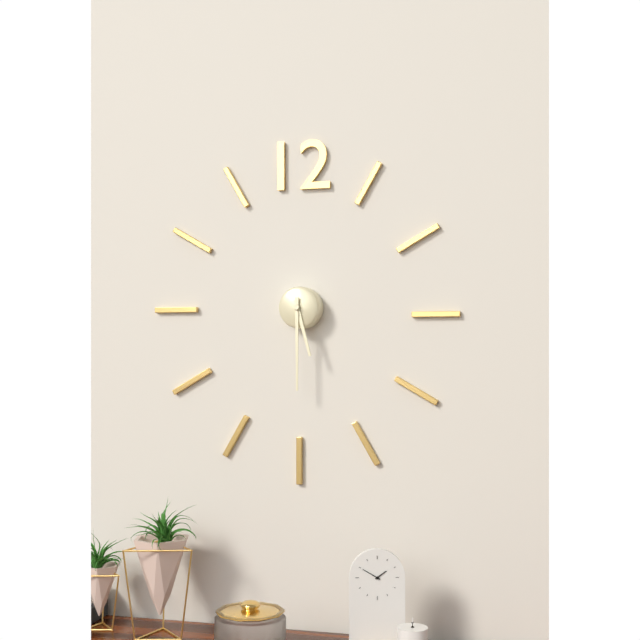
5:30
